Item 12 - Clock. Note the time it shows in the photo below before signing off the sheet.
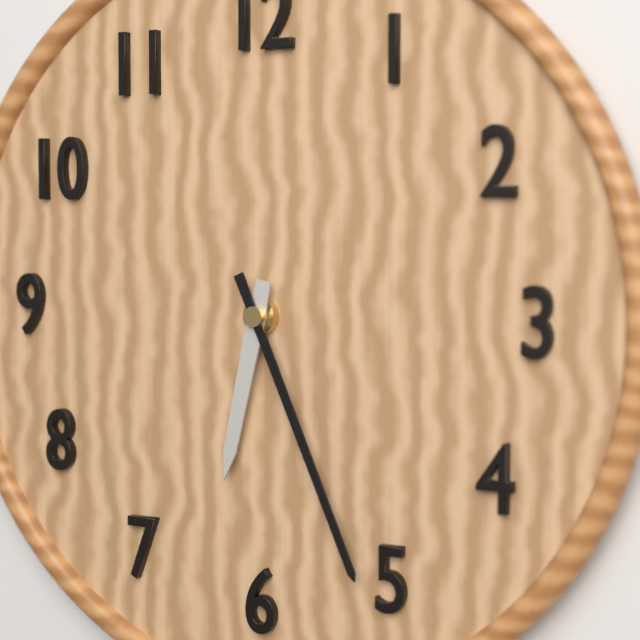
6:26
